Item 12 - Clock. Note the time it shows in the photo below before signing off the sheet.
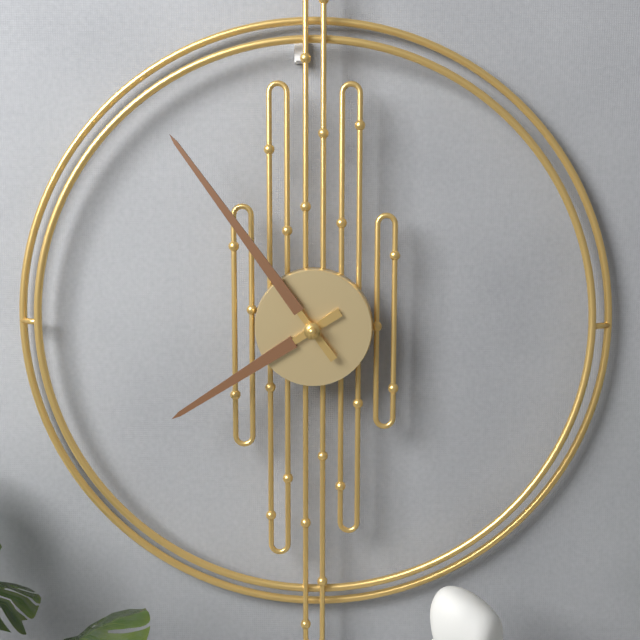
7:54
